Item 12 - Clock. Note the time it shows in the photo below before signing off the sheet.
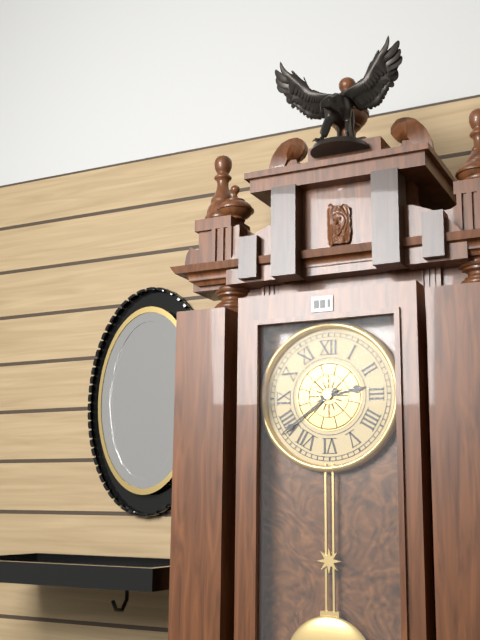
2:39
